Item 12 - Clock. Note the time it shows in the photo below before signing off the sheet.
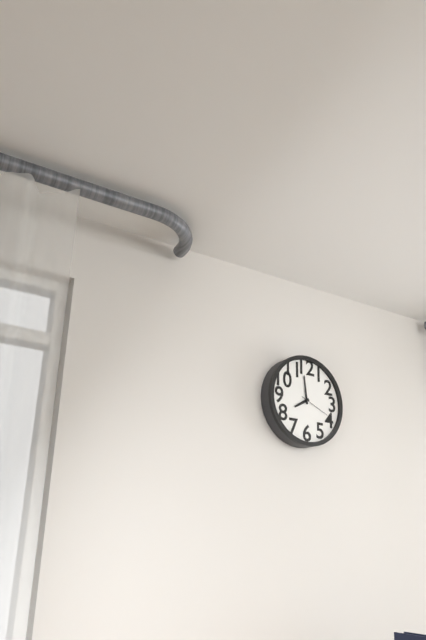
7:59
